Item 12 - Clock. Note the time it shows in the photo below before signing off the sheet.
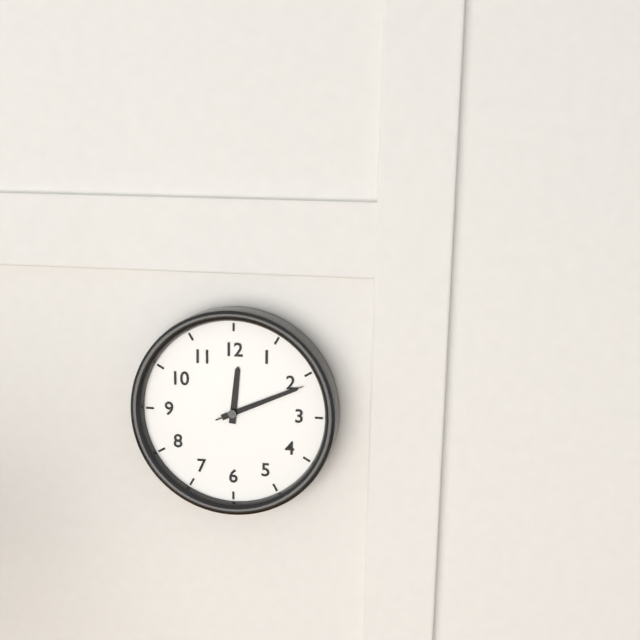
12:11:11
